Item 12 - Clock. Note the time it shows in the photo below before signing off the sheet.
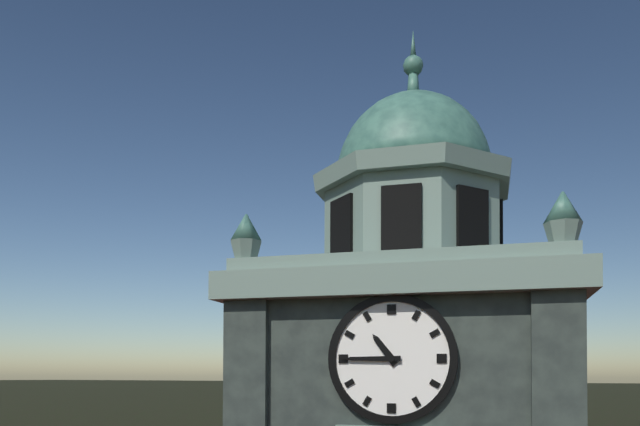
10:45
